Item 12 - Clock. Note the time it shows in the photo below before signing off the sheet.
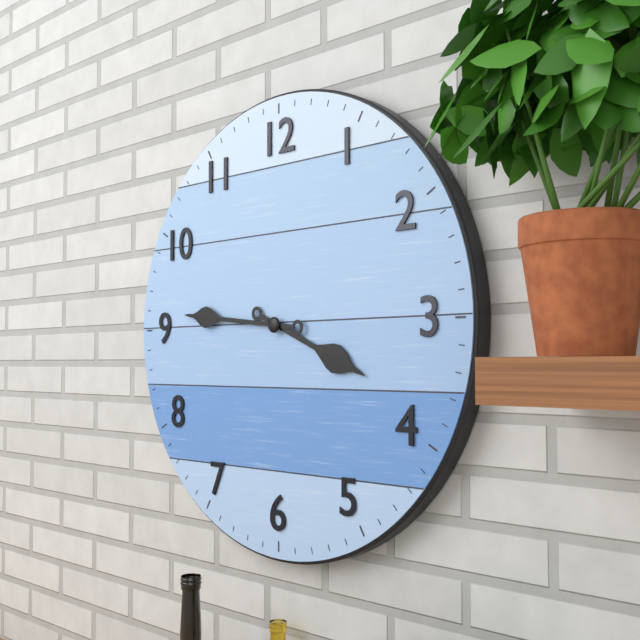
3:46
